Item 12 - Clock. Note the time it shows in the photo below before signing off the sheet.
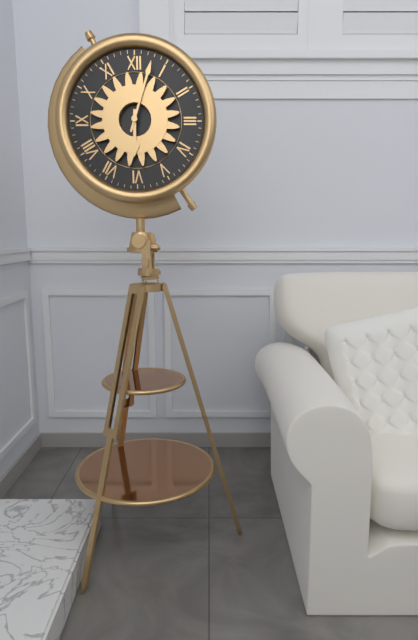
6:03
